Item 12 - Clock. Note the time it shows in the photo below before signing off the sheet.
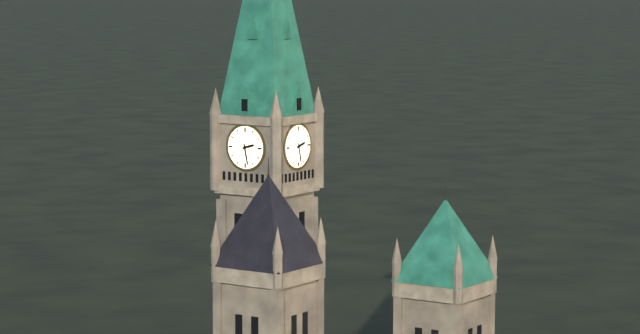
2:28
